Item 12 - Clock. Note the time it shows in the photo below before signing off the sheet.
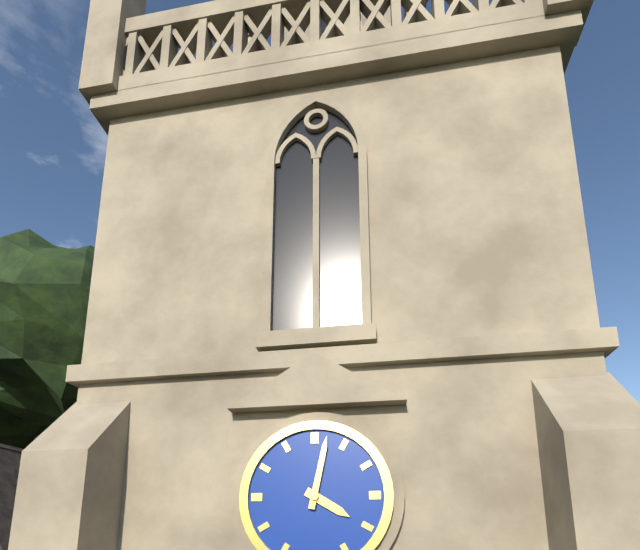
4:02
